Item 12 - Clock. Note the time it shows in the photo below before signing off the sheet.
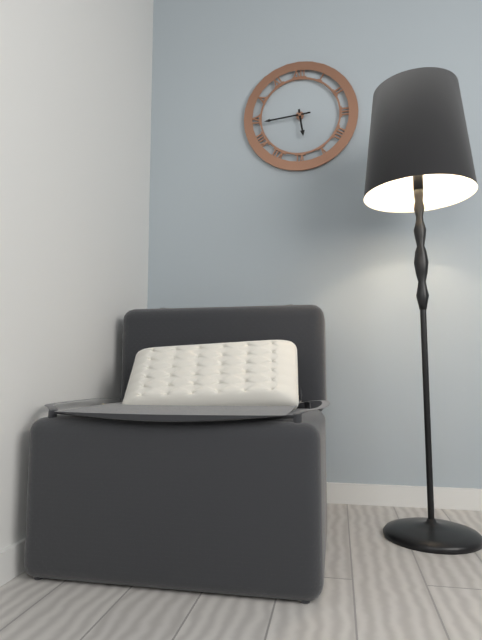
5:44
